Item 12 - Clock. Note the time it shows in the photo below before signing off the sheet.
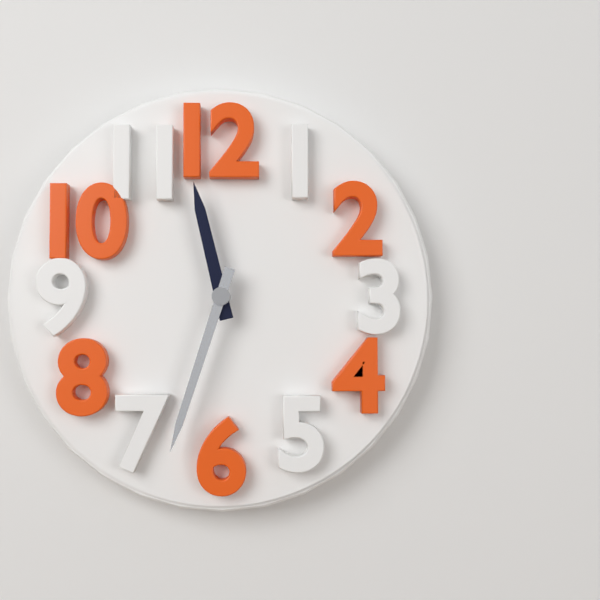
11:33
